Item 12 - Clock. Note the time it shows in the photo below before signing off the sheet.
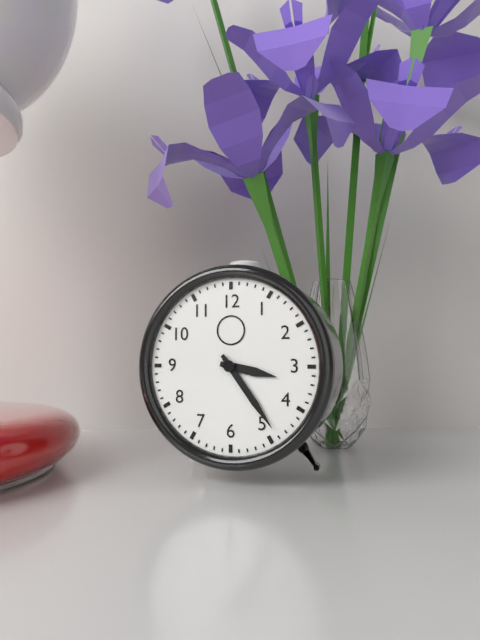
3:24
